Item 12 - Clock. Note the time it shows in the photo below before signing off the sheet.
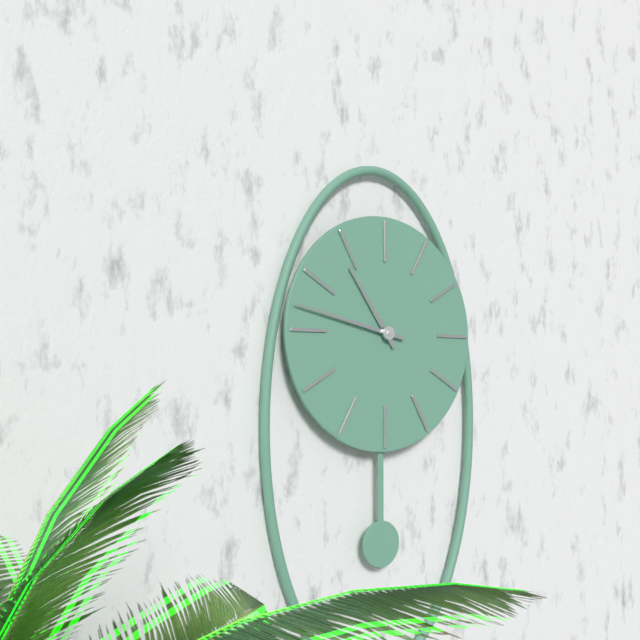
10:47
